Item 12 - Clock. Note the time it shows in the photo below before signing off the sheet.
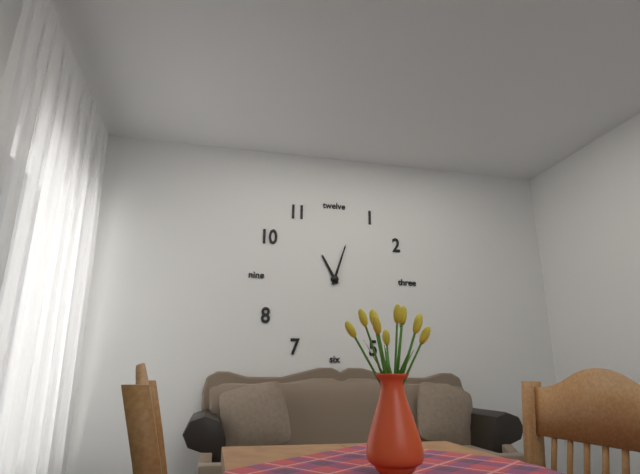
11:03
